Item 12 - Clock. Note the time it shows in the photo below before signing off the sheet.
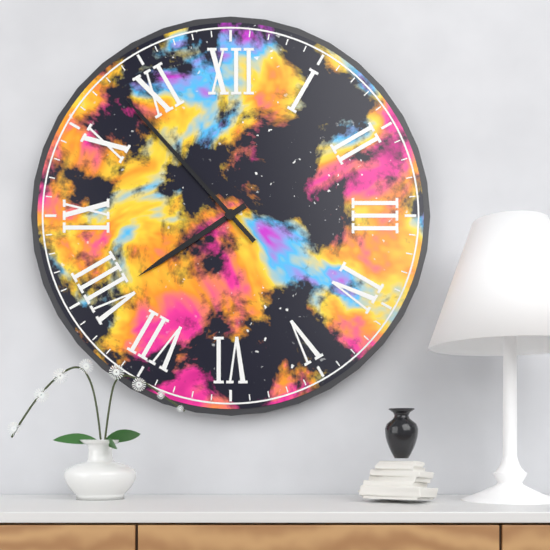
7:53
